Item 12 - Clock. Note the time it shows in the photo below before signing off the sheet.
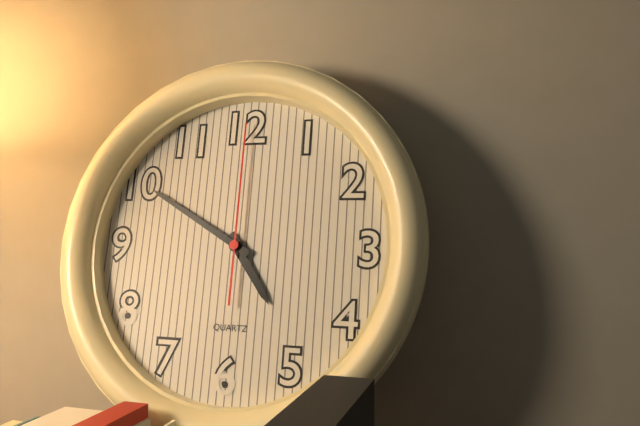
4:50:00
